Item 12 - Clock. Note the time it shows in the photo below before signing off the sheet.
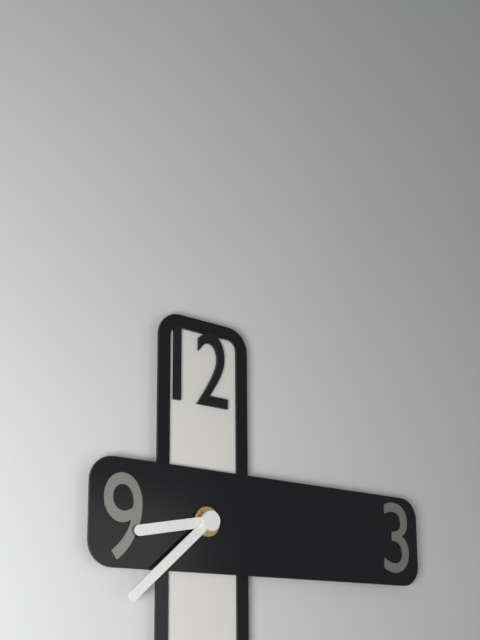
8:38
